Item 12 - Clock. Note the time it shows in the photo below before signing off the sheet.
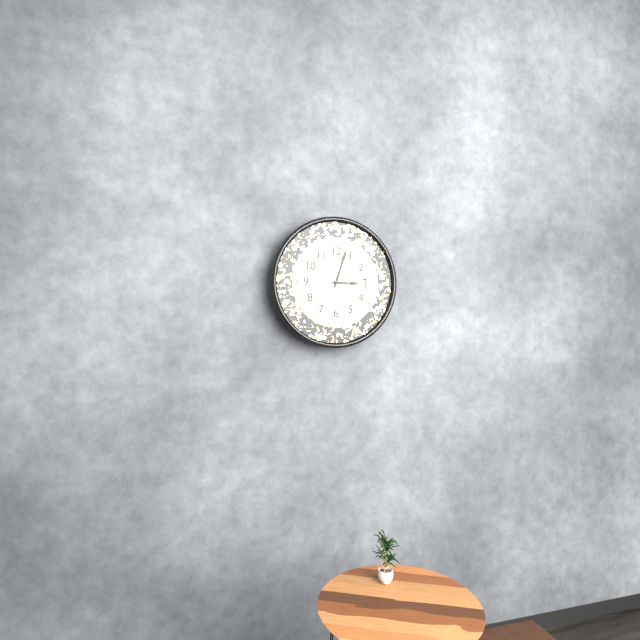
3:03
